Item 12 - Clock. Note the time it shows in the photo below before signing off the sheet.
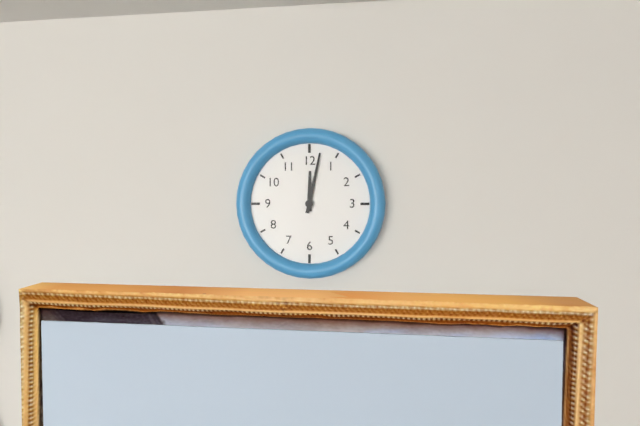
12:02
